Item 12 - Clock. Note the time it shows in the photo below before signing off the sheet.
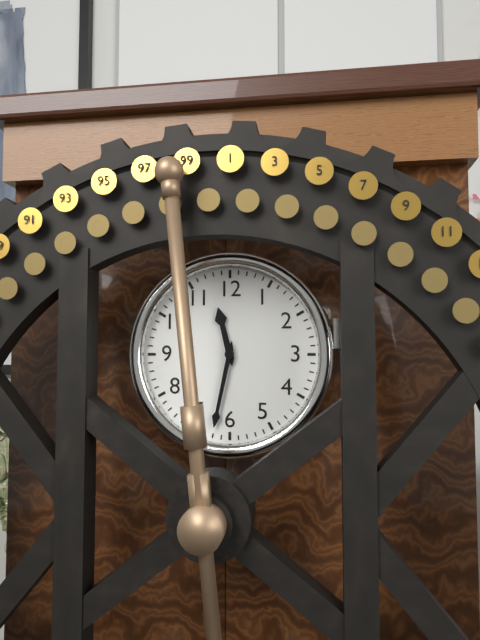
11:32
